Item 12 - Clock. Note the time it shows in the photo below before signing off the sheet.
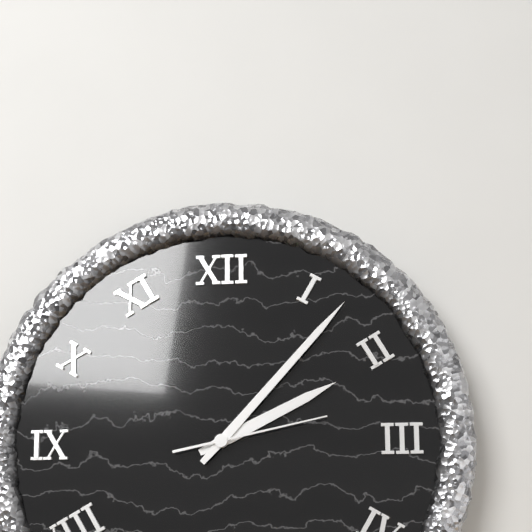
2:07:13
